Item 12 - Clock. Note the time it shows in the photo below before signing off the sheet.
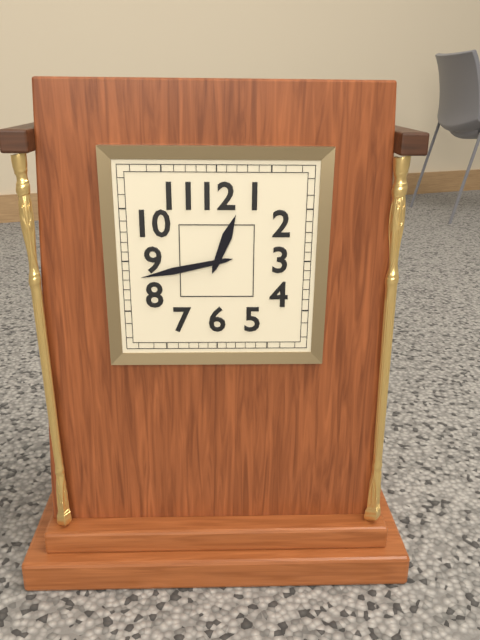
12:43
